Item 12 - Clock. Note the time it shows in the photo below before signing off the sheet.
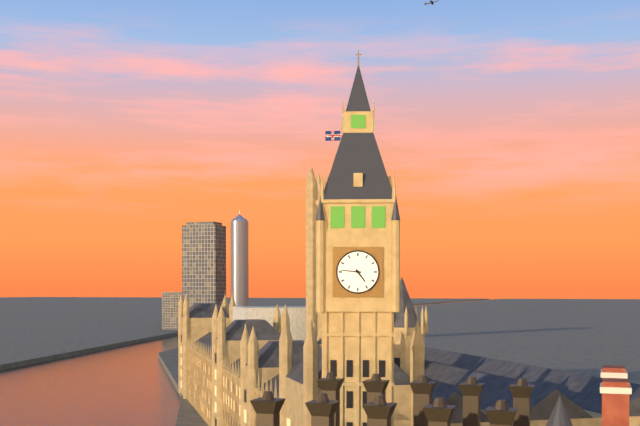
4:46
